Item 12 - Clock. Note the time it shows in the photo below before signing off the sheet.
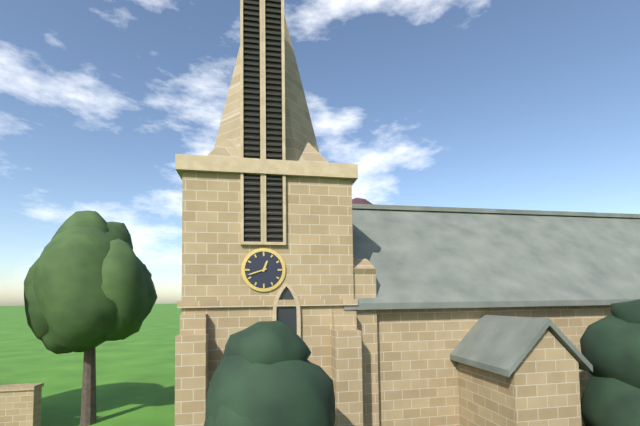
12:42
